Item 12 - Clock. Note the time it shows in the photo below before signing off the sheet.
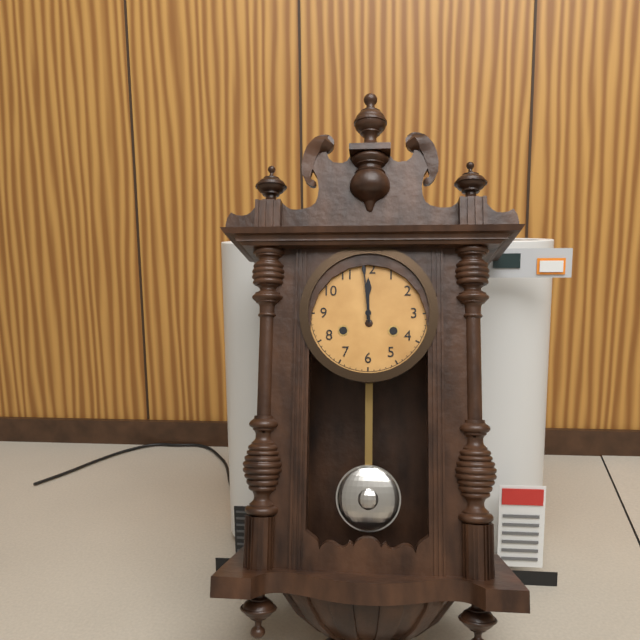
11:59
